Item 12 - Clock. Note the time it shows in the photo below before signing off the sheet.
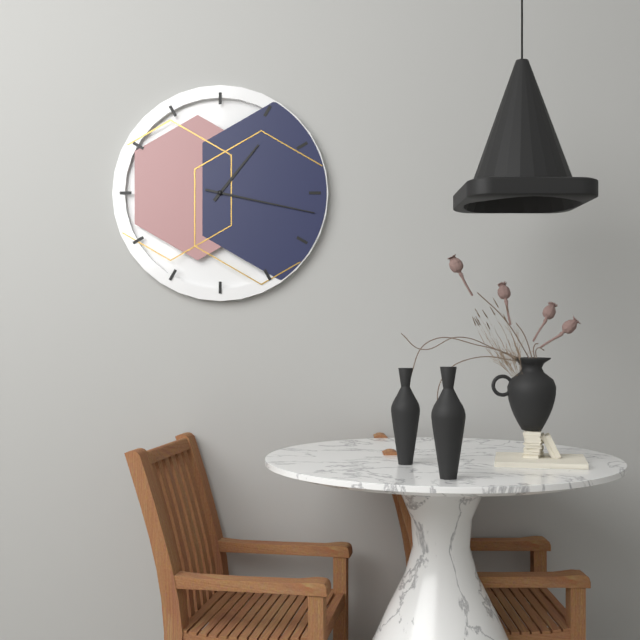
1:17
